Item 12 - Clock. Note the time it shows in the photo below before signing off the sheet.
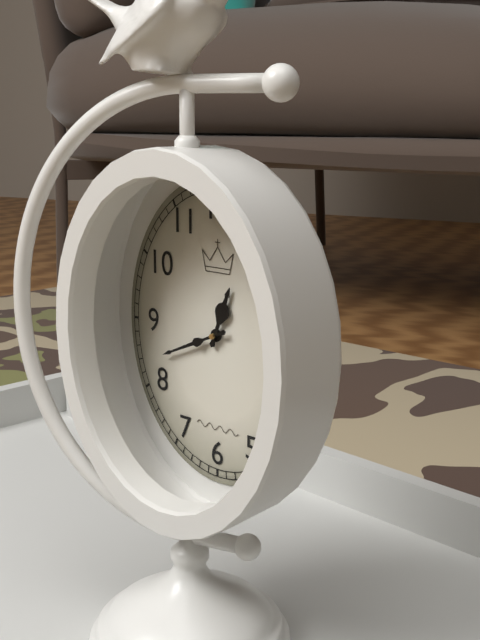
12:41
